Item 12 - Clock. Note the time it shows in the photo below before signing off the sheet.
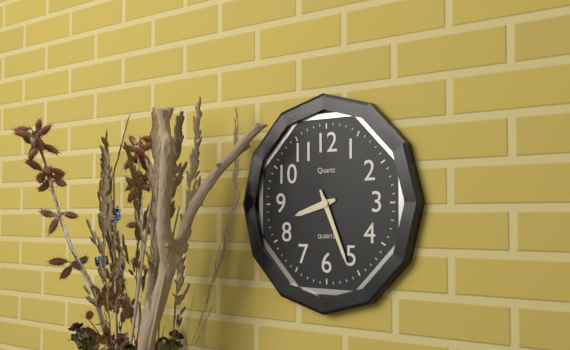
8:26
